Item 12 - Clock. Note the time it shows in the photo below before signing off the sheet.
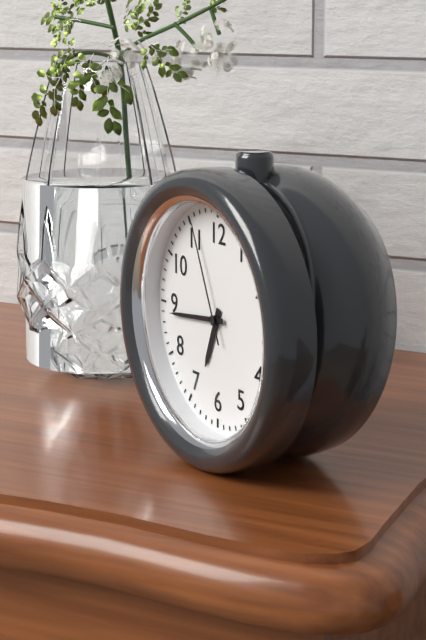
6:44:56
